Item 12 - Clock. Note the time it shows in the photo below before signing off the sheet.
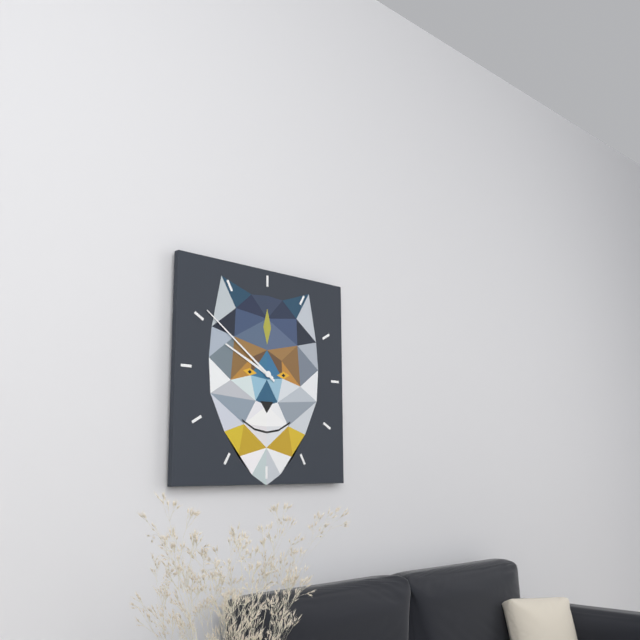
9:51
